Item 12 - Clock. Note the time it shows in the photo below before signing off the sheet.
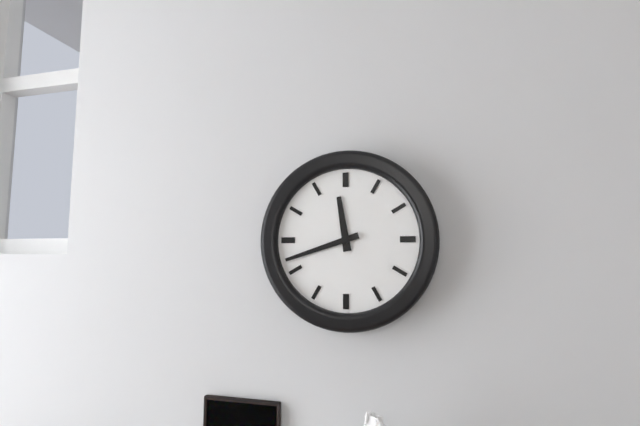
11:42
